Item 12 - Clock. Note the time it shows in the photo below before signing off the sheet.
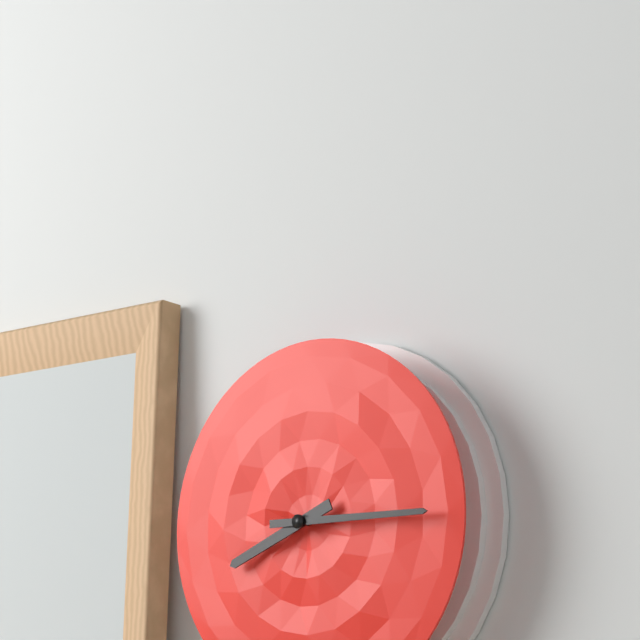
8:15
